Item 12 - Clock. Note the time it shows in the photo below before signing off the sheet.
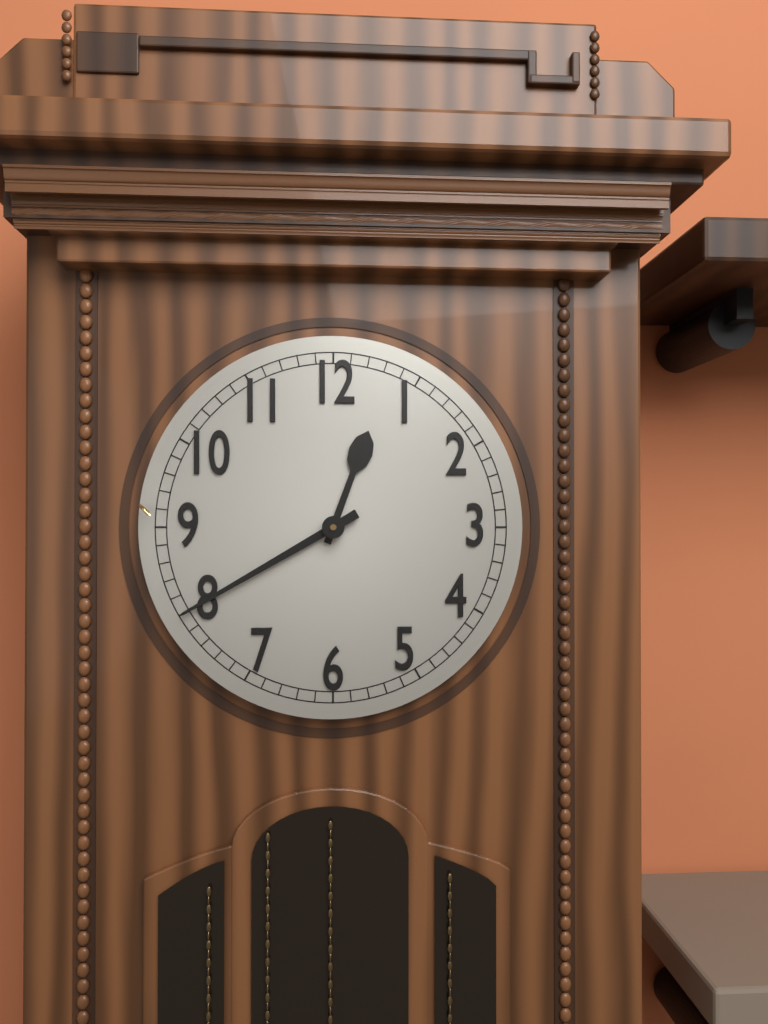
12:40
